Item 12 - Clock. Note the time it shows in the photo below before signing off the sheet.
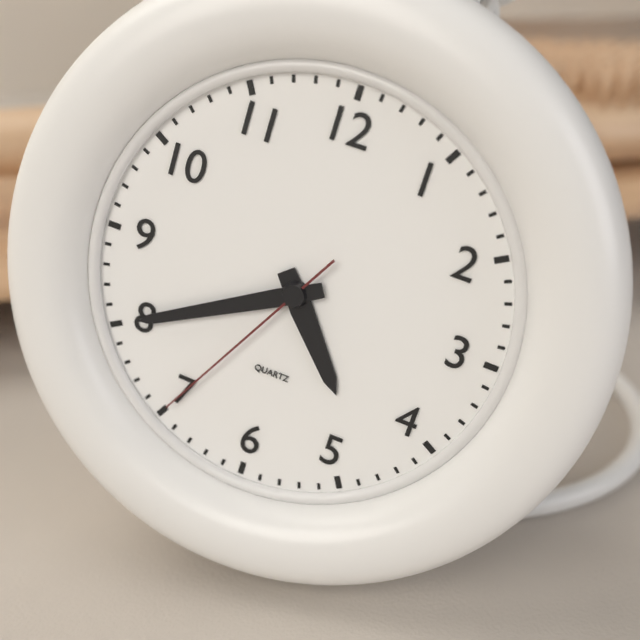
4:40:35
